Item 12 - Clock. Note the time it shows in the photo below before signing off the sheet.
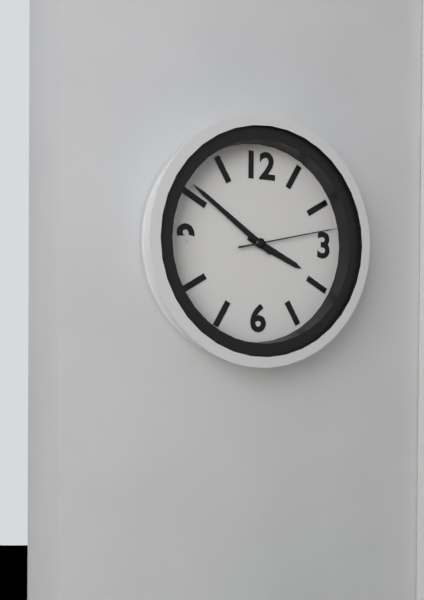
3:51:13
